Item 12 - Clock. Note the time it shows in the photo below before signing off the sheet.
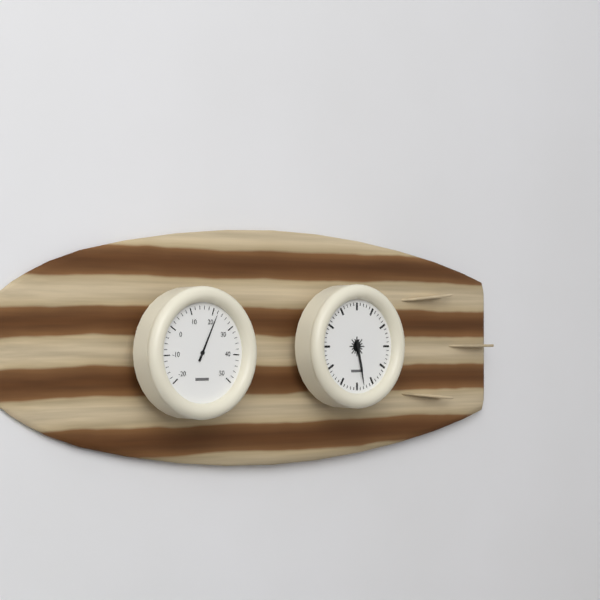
5:28
